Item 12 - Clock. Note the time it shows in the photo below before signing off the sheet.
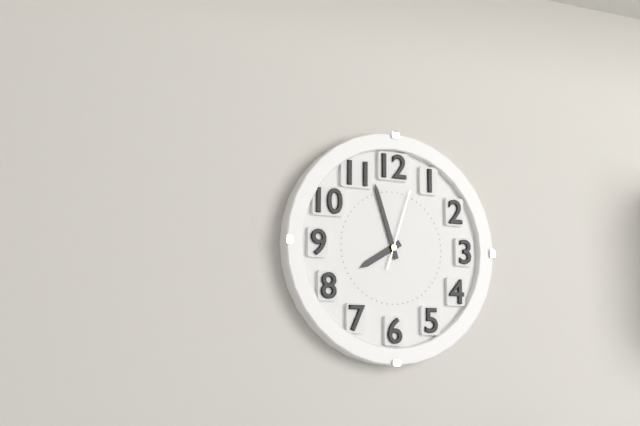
7:57:03
